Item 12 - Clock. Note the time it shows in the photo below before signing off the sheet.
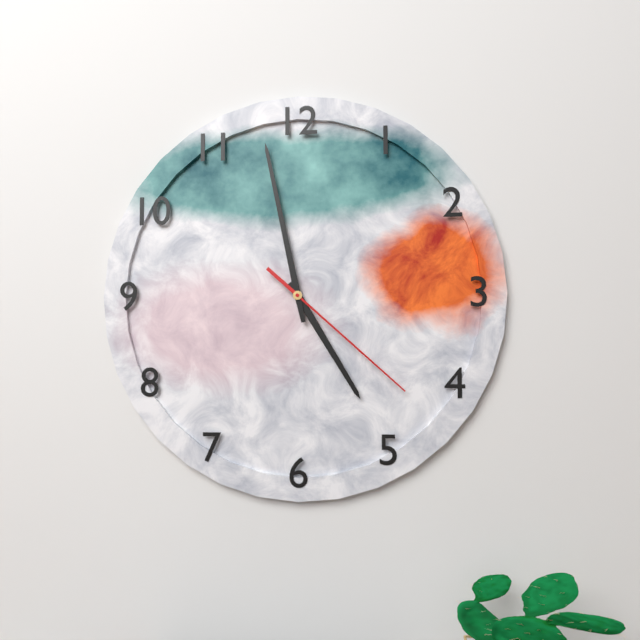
4:58:22
